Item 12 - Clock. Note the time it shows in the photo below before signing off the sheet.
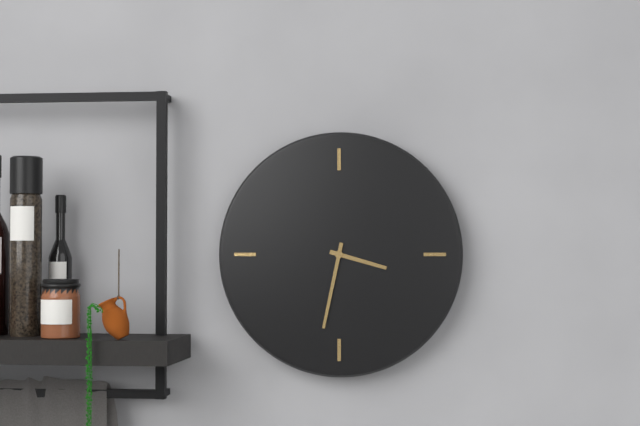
3:32
